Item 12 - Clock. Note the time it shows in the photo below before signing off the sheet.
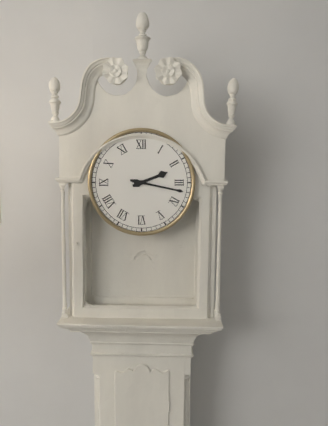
2:17
